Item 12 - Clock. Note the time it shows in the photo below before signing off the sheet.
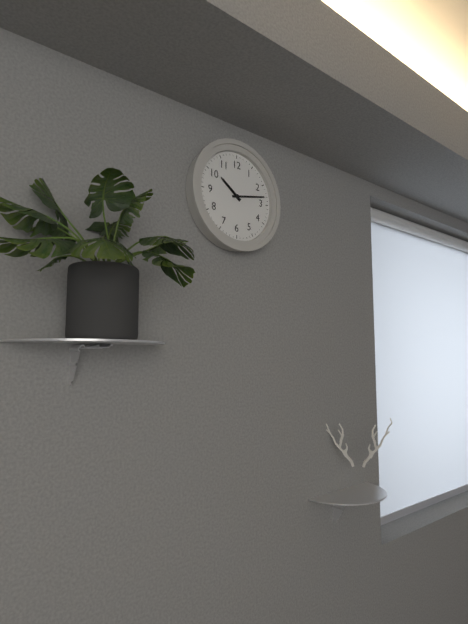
10:13
